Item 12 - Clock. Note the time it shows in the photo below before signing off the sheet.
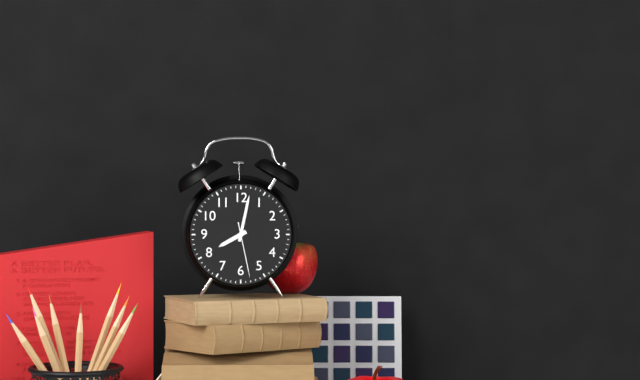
8:02:28
